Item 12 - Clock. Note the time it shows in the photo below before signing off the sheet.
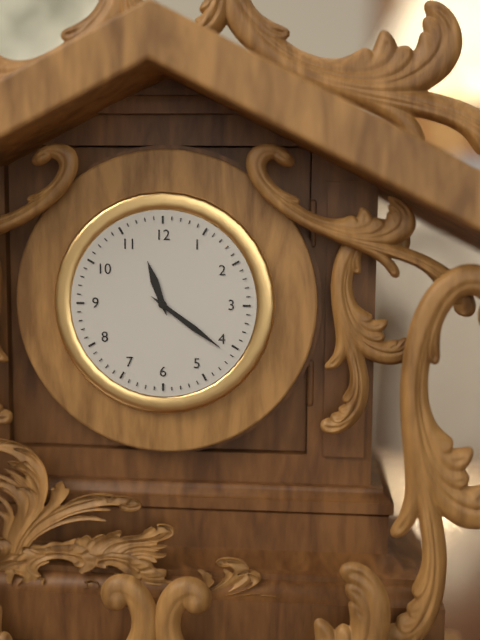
11:21
